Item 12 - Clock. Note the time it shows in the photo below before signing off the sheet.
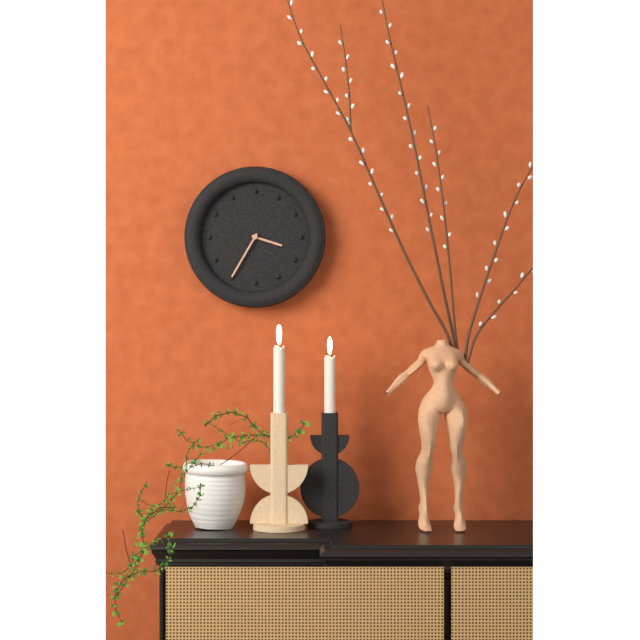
3:35
